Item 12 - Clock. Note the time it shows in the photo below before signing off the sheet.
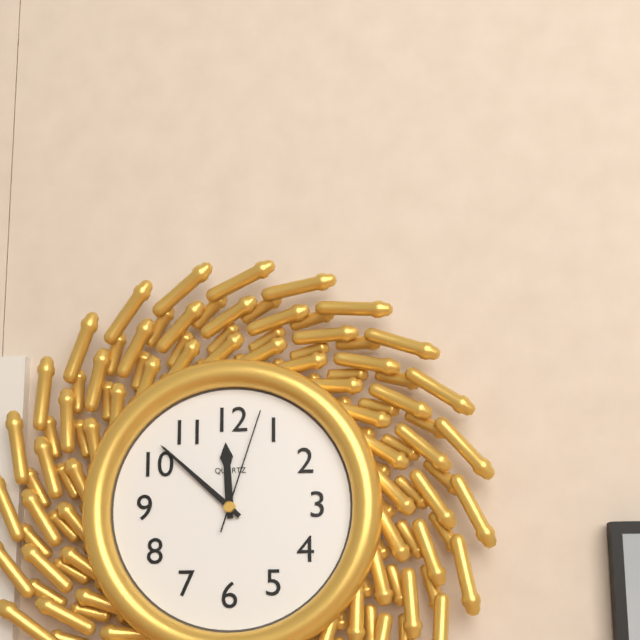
11:52:03
